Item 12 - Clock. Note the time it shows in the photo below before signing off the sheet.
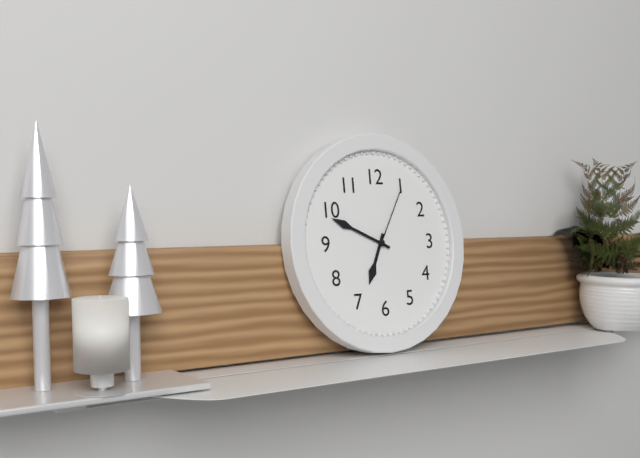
6:49:05
